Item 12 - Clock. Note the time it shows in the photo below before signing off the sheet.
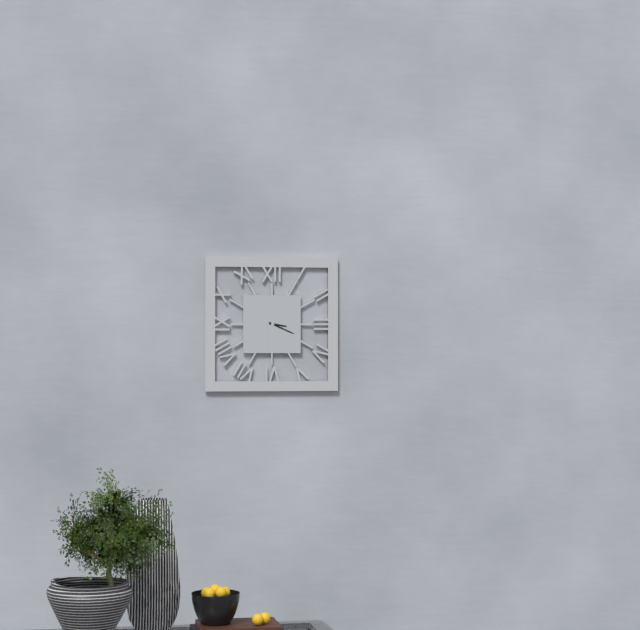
3:19
